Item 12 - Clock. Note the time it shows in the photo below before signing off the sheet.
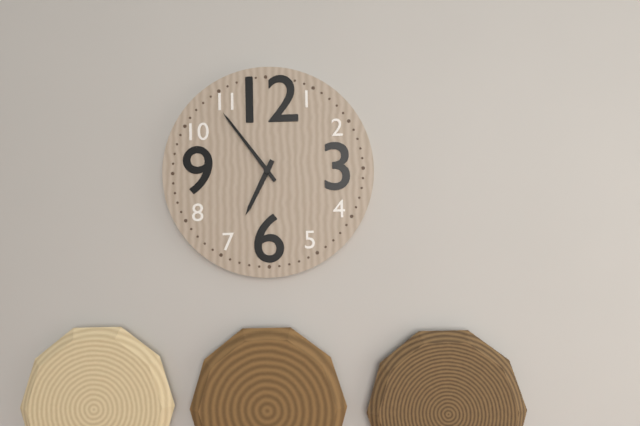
6:54
